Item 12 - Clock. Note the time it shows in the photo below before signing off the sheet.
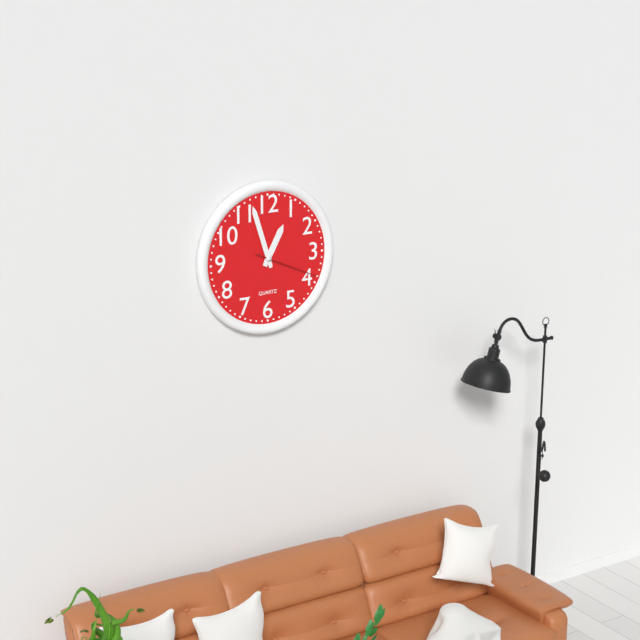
12:57:19
